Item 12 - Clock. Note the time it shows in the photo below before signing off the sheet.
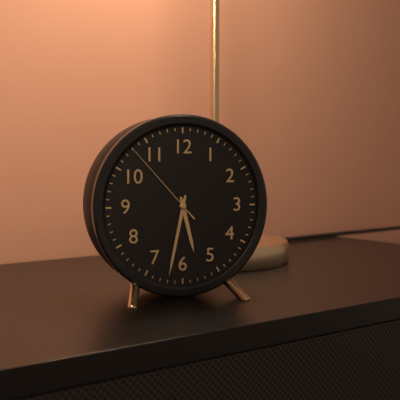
5:32:53
